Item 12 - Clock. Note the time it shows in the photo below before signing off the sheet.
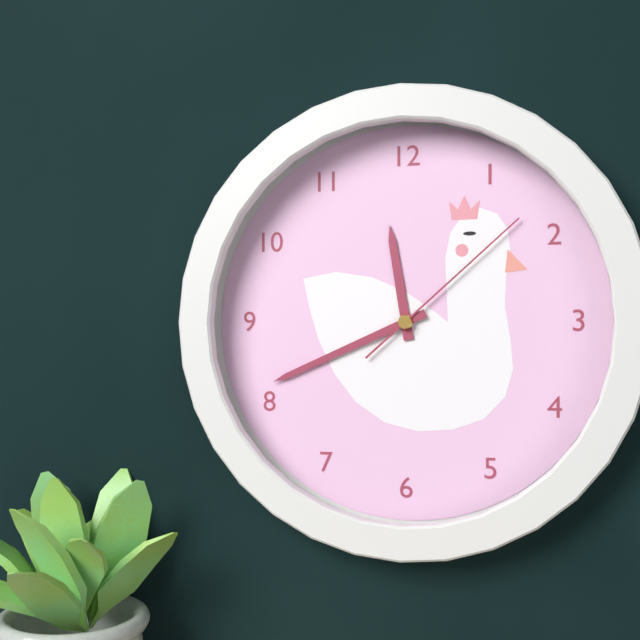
11:41:08
